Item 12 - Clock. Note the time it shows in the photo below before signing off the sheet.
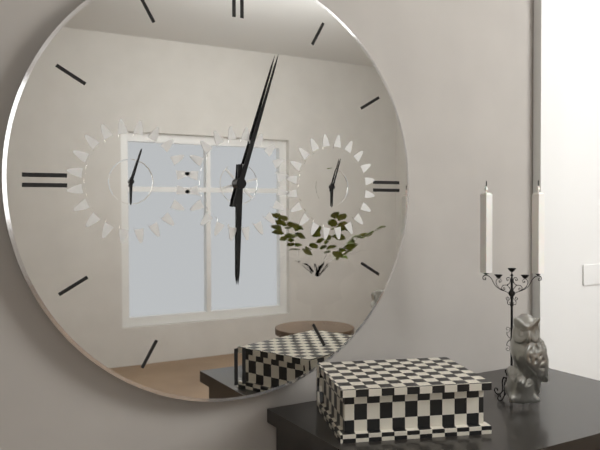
6:03
